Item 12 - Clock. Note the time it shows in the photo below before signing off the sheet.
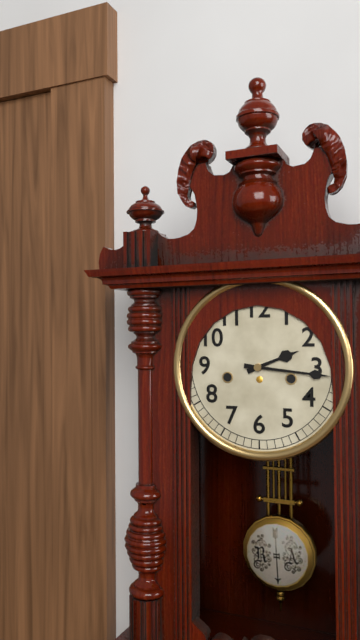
2:16
